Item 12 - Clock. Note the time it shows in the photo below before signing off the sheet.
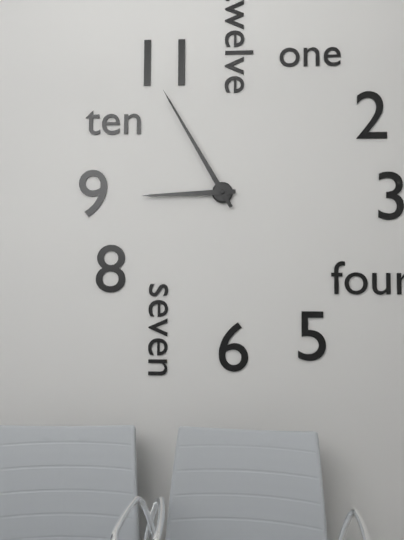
8:55
